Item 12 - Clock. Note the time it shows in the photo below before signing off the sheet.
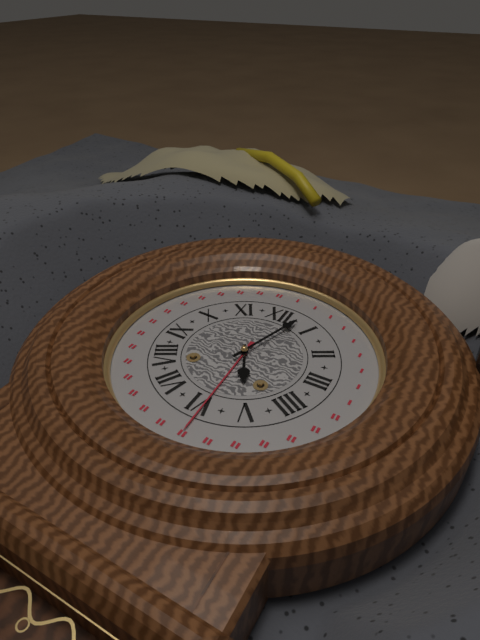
5:03
